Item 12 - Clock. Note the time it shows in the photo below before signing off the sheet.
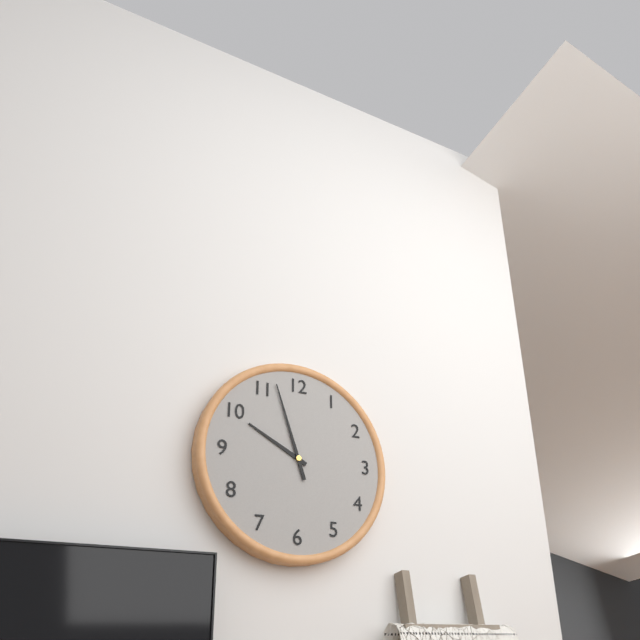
9:57
